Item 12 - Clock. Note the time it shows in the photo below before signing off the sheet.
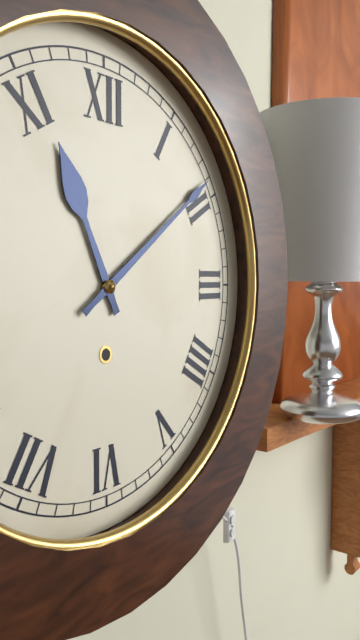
11:09
